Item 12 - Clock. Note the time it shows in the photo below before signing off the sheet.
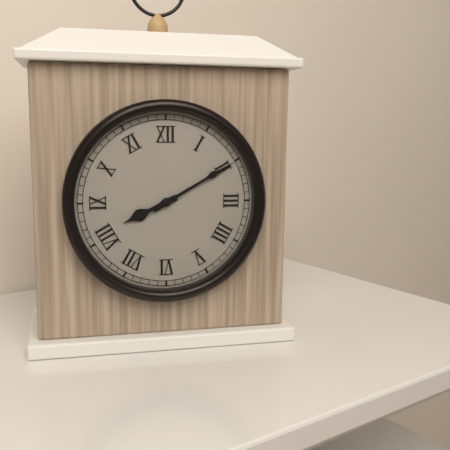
8:10
